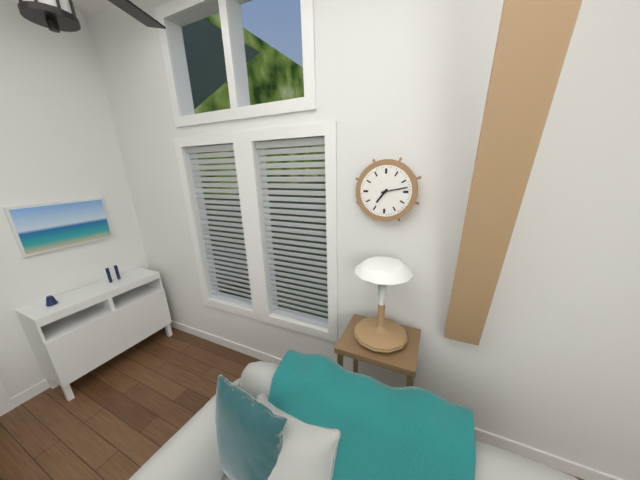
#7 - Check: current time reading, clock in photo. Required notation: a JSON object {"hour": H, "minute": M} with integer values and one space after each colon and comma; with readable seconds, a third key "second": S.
{"hour": 7, "minute": 13}
